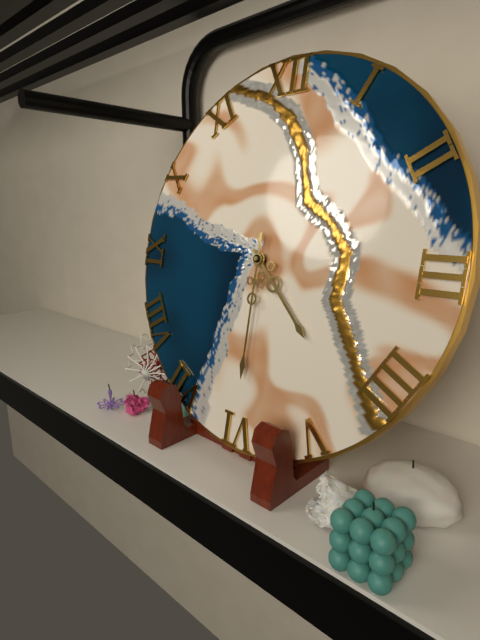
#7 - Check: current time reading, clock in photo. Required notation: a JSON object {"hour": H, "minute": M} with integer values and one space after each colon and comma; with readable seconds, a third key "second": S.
{"hour": 4, "minute": 30}
